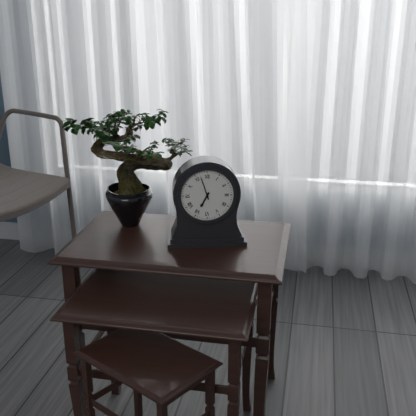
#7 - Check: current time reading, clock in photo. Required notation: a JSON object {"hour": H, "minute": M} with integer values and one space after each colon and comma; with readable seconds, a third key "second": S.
{"hour": 6, "minute": 57}
